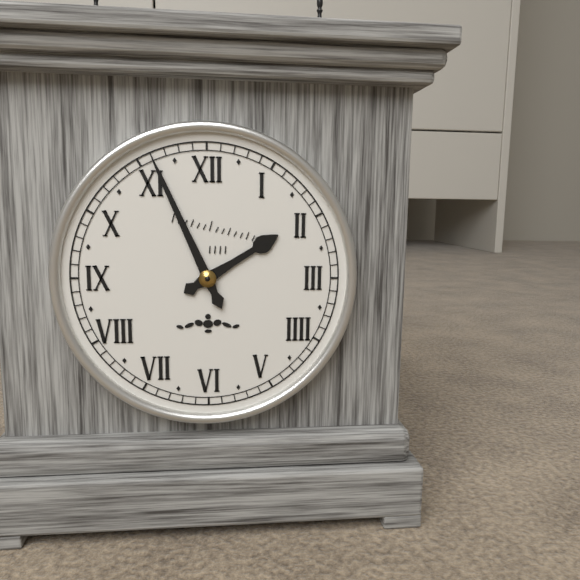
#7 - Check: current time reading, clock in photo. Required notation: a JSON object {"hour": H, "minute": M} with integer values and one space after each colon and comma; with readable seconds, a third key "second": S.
{"hour": 1, "minute": 56}
